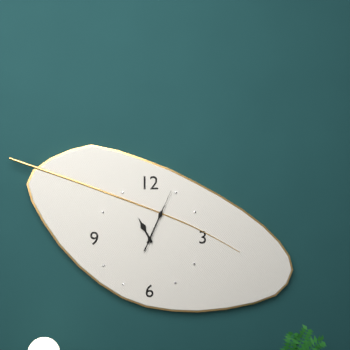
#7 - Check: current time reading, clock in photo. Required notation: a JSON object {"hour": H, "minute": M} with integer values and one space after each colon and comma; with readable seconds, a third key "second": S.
{"hour": 11, "minute": 4, "second": 4}
